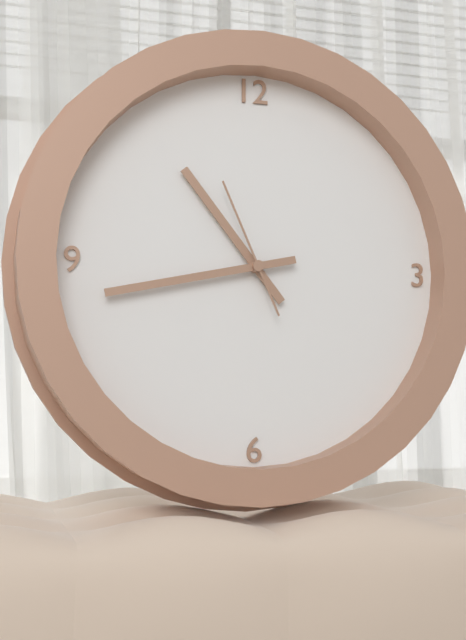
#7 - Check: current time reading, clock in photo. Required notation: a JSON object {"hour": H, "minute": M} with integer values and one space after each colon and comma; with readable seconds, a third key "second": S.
{"hour": 10, "minute": 43, "second": 56}
